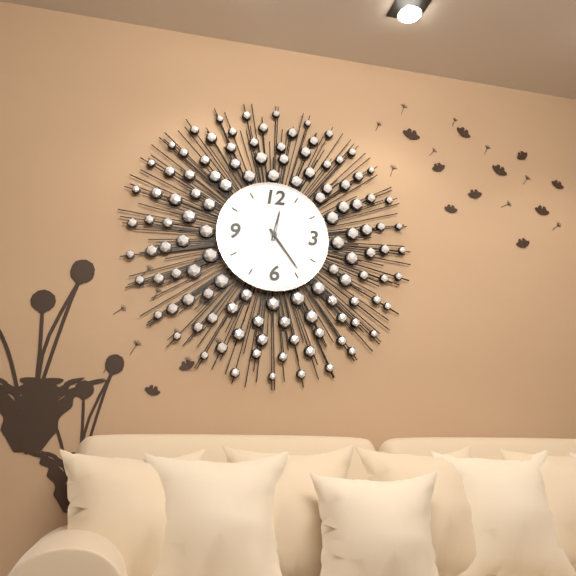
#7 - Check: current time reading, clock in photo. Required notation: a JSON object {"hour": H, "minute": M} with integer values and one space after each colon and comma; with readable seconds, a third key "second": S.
{"hour": 12, "minute": 24, "second": 32}
